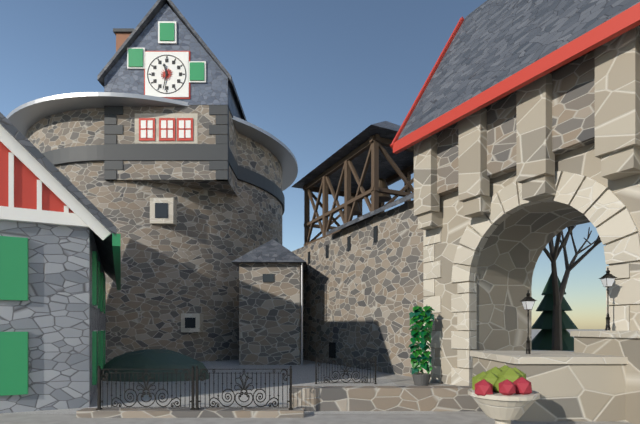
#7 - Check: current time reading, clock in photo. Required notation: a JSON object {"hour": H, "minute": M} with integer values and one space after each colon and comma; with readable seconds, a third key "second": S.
{"hour": 11, "minute": 32}
